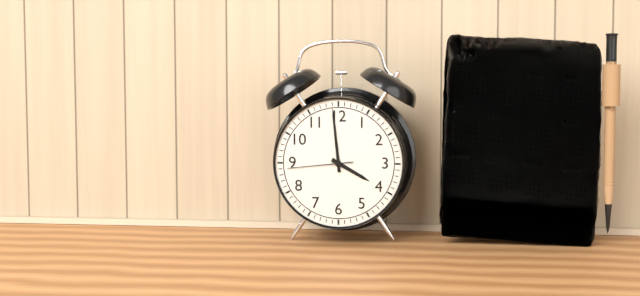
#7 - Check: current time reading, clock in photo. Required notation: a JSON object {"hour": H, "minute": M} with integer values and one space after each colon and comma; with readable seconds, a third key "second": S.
{"hour": 3, "minute": 59, "second": 44}
